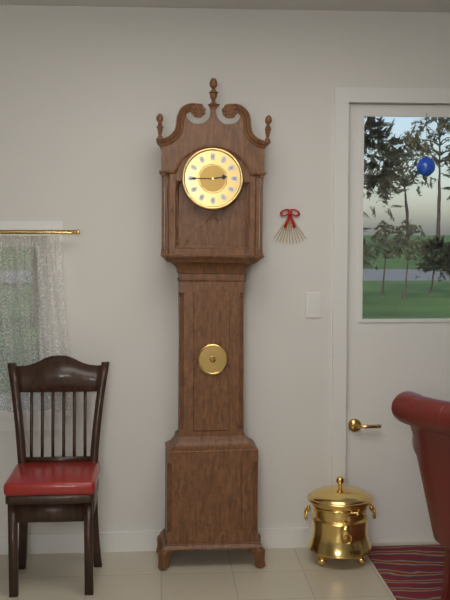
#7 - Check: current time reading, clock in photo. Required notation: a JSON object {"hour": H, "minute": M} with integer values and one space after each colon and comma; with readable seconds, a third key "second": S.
{"hour": 2, "minute": 45}
